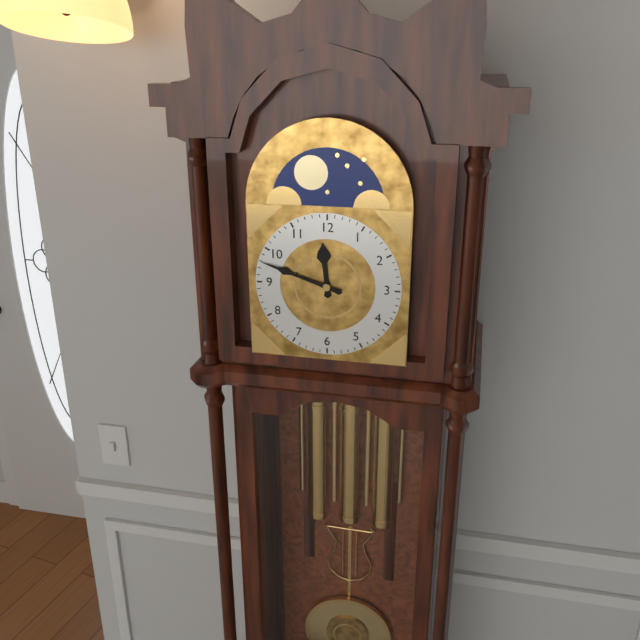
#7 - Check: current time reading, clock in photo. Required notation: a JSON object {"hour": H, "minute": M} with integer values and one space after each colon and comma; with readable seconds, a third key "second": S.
{"hour": 11, "minute": 48}
